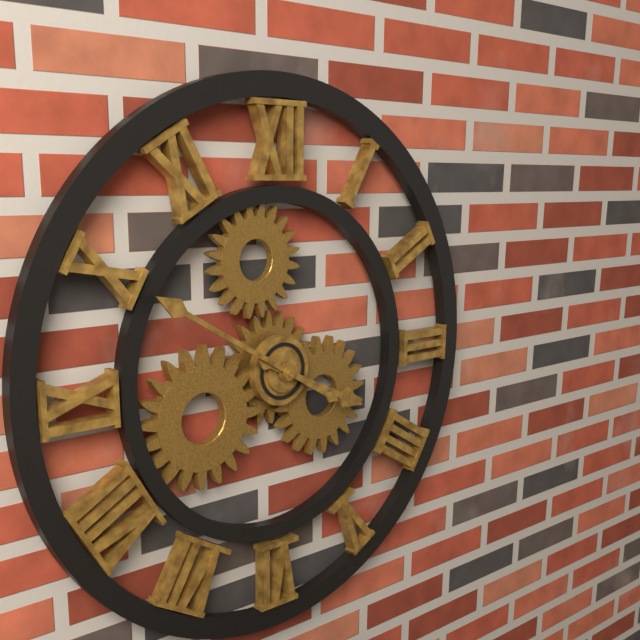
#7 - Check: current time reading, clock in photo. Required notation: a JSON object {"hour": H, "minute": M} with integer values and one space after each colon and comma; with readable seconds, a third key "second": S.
{"hour": 3, "minute": 50}
